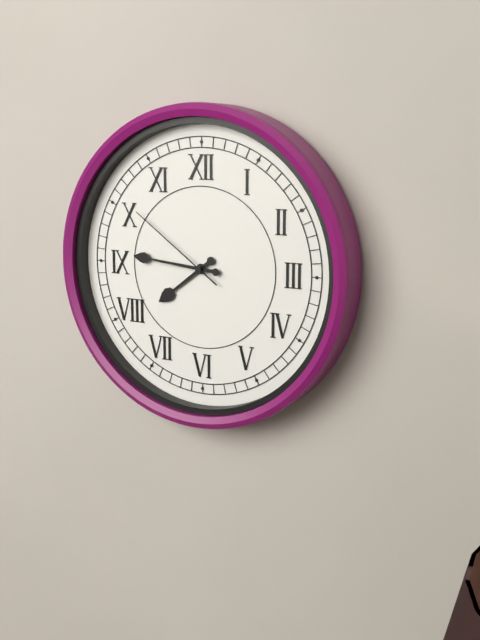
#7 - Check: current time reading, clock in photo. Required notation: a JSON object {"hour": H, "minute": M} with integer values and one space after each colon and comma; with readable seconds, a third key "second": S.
{"hour": 7, "minute": 46, "second": 51}
